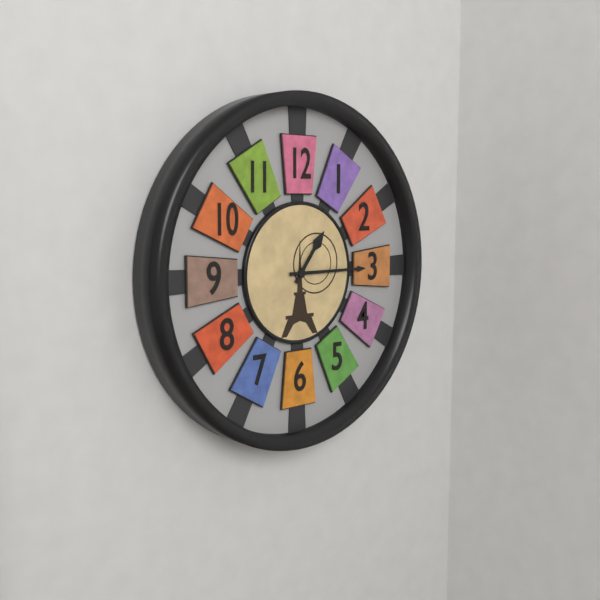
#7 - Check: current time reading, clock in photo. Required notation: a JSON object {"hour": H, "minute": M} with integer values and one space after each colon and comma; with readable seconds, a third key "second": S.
{"hour": 1, "minute": 15}
